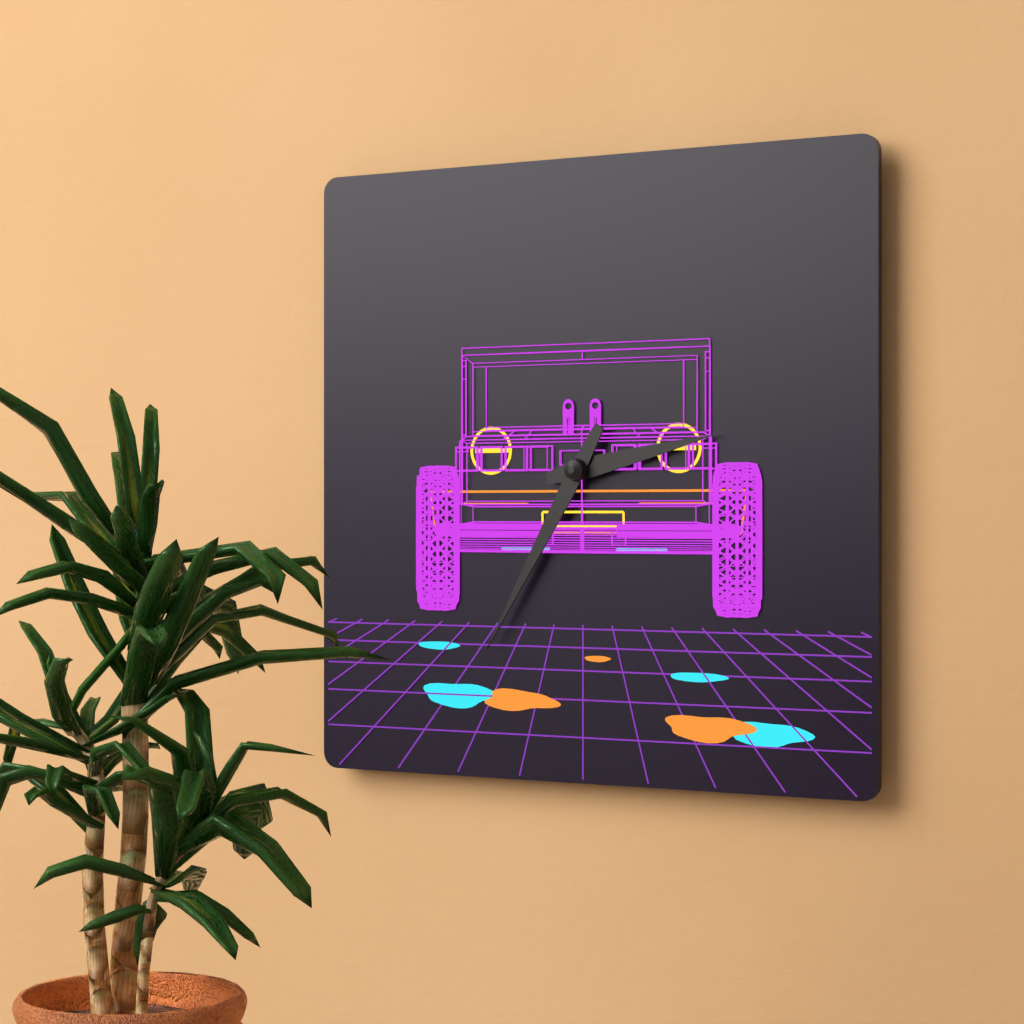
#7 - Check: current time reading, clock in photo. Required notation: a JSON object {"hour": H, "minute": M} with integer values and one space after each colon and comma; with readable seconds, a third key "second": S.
{"hour": 2, "minute": 35}
